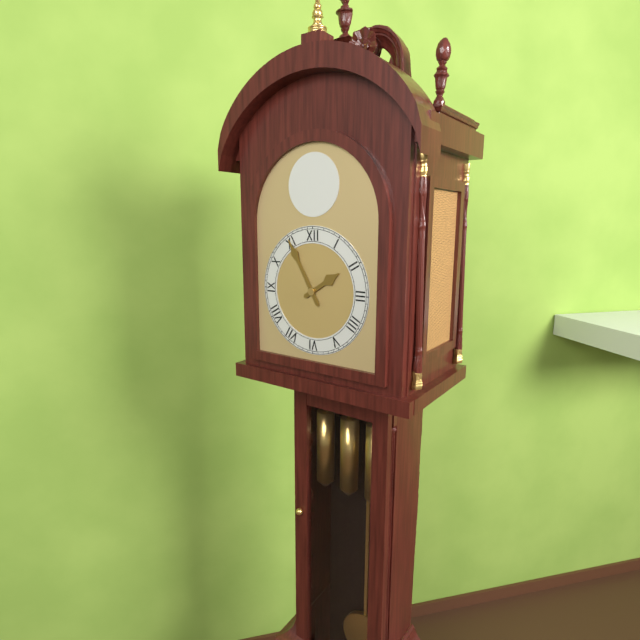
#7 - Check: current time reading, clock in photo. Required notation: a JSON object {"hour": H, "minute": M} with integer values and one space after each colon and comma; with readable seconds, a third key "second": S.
{"hour": 1, "minute": 55}
